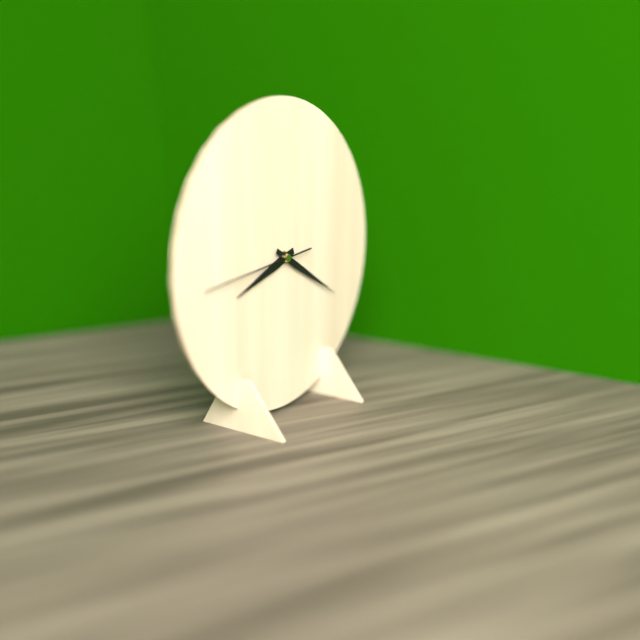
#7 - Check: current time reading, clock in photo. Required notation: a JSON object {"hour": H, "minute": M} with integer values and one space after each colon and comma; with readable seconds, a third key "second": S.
{"hour": 8, "minute": 20, "second": 44}
